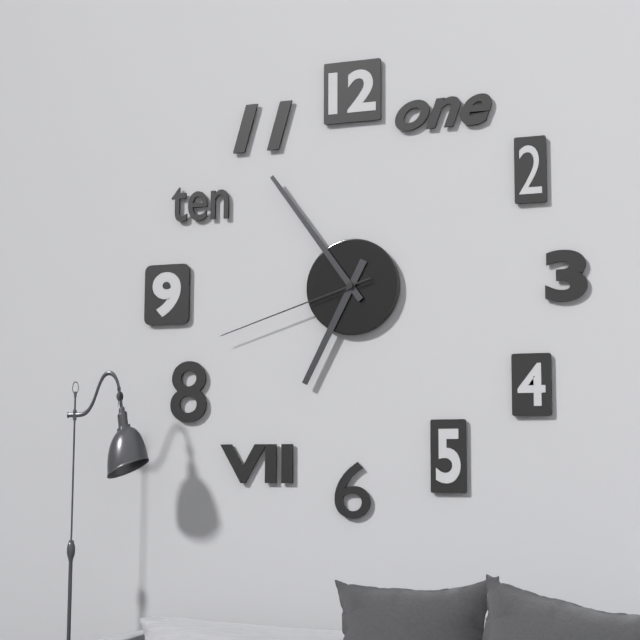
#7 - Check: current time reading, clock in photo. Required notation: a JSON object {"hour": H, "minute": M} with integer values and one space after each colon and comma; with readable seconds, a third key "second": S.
{"hour": 6, "minute": 54, "second": 42}
